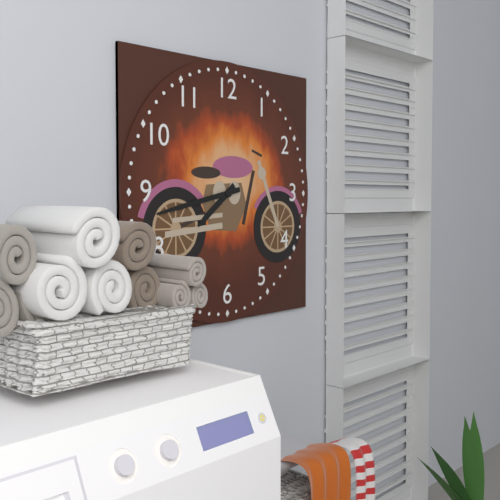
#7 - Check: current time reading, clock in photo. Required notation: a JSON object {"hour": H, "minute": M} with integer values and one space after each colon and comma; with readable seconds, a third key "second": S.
{"hour": 7, "minute": 43}
